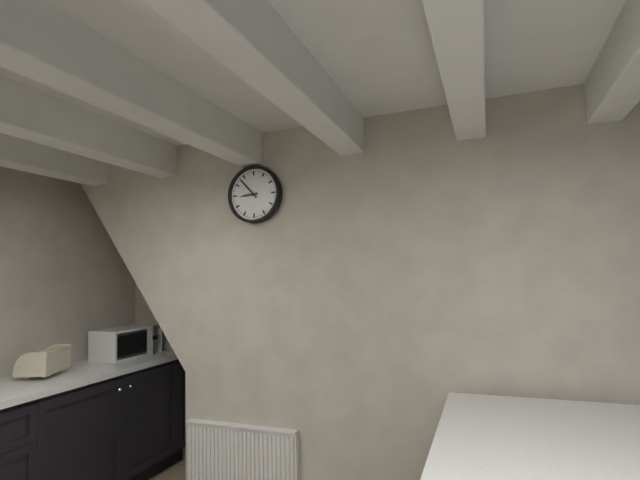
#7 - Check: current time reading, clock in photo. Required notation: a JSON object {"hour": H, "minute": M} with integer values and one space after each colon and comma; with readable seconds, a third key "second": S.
{"hour": 8, "minute": 53}
